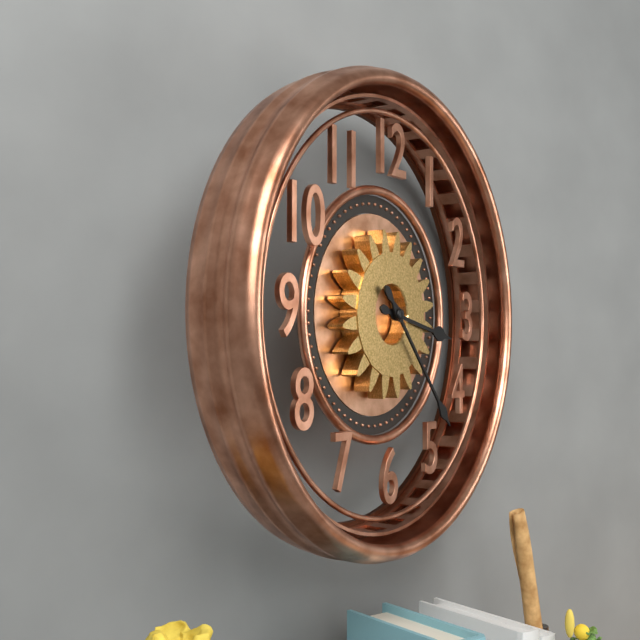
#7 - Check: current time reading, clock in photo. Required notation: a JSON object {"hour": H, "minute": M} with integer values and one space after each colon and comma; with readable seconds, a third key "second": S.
{"hour": 3, "minute": 23}
